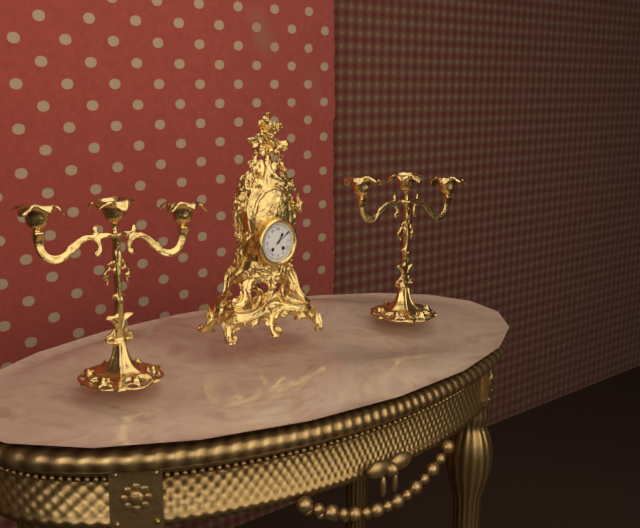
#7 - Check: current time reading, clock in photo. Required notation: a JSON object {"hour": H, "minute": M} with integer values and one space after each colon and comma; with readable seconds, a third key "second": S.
{"hour": 1, "minute": 9}
